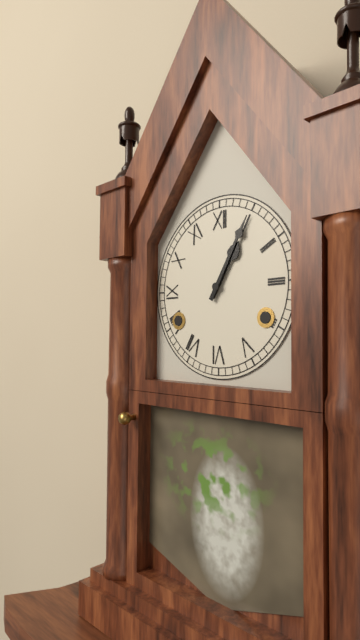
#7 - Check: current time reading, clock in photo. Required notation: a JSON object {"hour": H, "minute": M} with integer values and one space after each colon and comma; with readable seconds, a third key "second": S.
{"hour": 1, "minute": 5}
